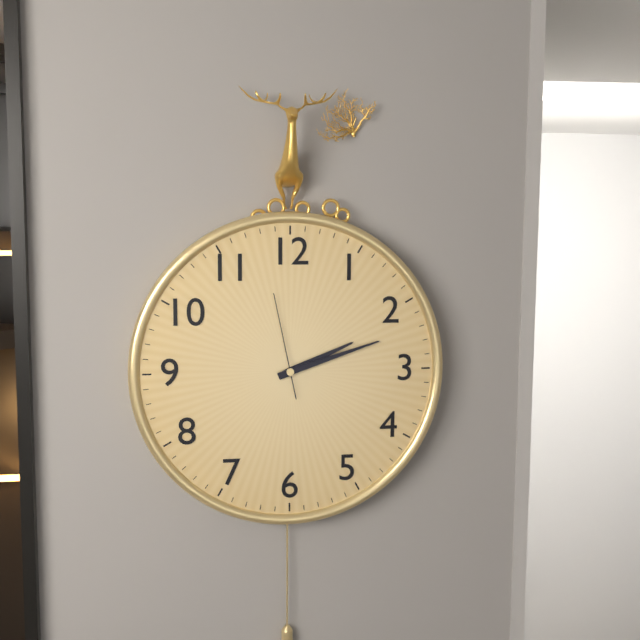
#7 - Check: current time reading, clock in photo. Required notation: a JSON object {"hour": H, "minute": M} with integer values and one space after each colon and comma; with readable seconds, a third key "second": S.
{"hour": 2, "minute": 12, "second": 58}
